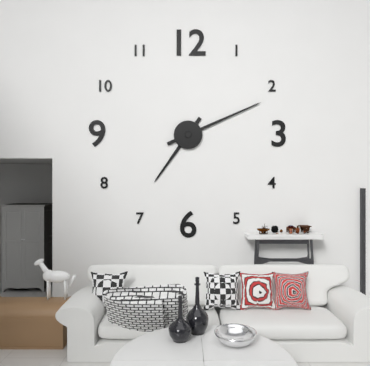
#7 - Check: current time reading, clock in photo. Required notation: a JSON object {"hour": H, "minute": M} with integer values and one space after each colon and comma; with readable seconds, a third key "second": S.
{"hour": 7, "minute": 11}
